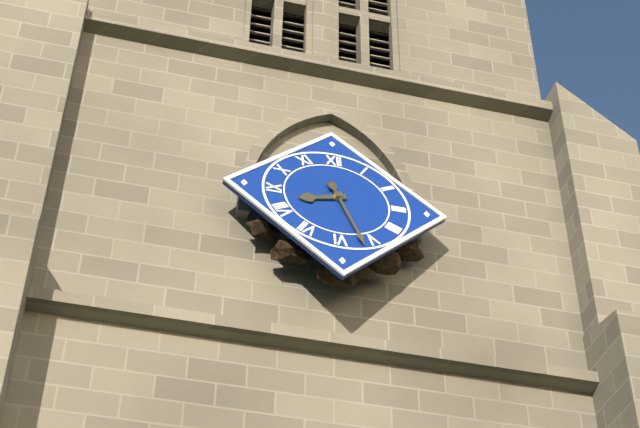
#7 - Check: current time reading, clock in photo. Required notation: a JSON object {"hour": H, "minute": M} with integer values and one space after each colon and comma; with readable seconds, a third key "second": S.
{"hour": 8, "minute": 27}
